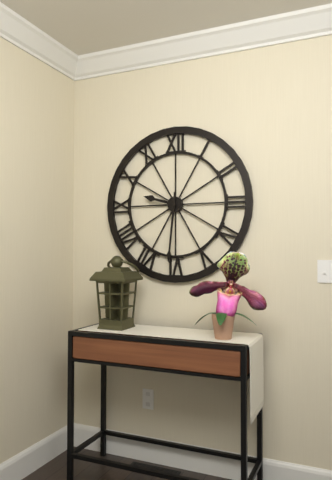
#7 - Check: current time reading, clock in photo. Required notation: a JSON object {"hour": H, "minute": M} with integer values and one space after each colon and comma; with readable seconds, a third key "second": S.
{"hour": 9, "minute": 31}
